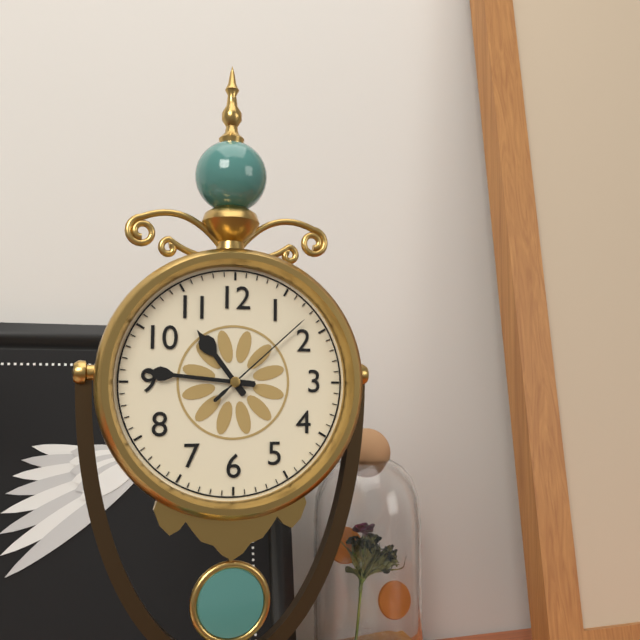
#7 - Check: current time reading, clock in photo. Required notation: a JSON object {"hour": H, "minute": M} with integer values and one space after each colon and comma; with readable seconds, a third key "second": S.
{"hour": 10, "minute": 46, "second": 8}
